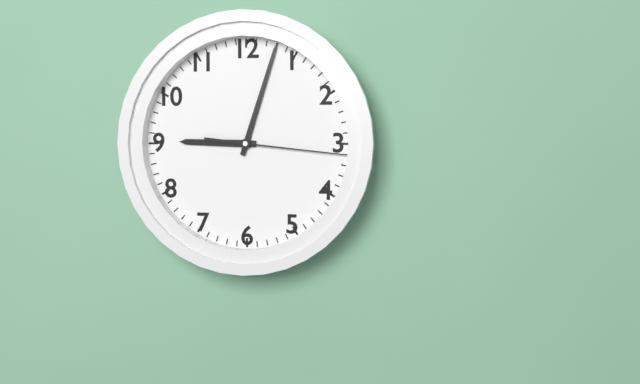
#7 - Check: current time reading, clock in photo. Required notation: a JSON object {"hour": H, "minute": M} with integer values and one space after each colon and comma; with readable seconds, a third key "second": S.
{"hour": 9, "minute": 3, "second": 16}
